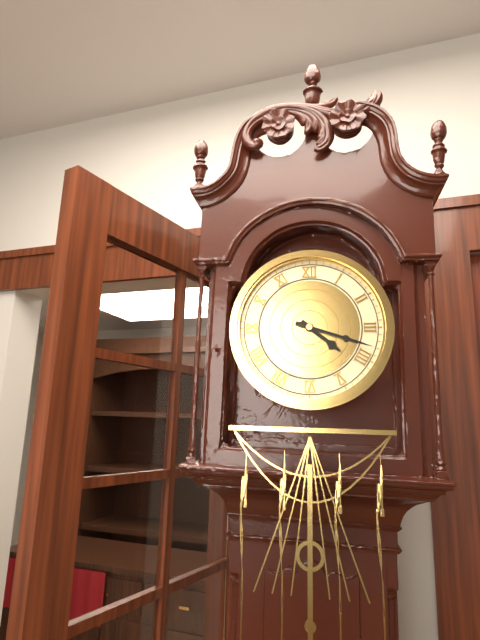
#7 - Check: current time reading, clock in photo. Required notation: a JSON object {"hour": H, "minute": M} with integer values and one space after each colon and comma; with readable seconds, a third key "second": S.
{"hour": 4, "minute": 18}
